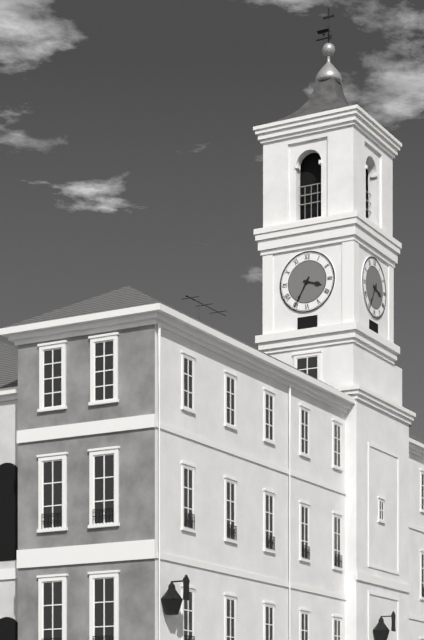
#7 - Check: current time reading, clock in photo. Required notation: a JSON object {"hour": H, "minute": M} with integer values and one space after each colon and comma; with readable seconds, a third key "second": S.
{"hour": 3, "minute": 35}
